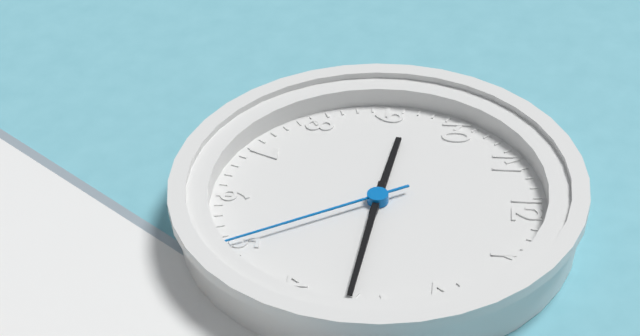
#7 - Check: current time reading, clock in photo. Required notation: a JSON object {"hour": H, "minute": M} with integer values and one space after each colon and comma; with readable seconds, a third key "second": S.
{"hour": 9, "minute": 16, "second": 25}
